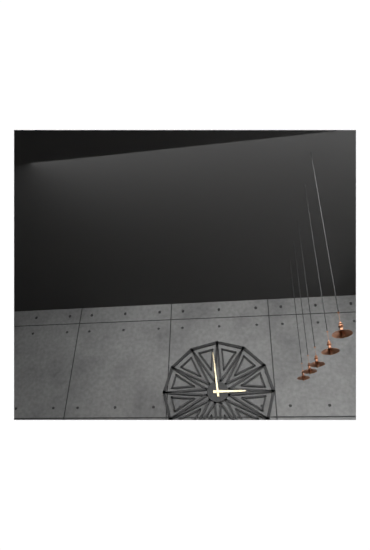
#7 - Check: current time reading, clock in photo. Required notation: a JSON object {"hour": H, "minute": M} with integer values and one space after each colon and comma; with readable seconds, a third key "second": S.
{"hour": 2, "minute": 59}
